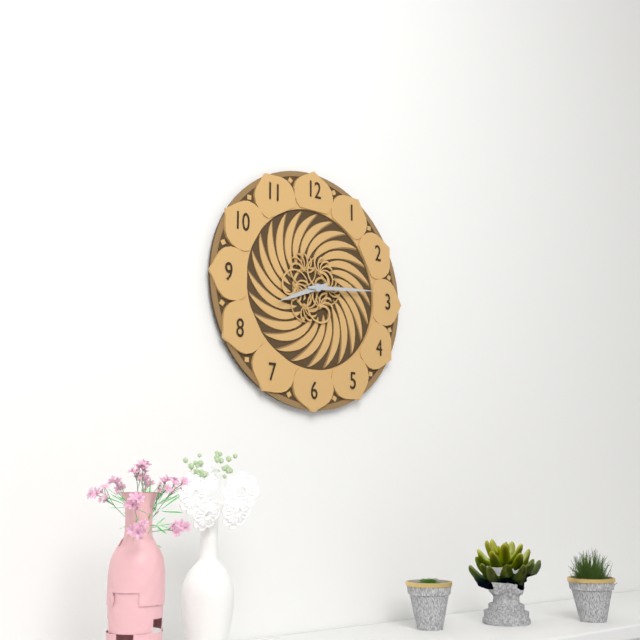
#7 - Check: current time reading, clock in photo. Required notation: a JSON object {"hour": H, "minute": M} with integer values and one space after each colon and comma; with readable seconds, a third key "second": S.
{"hour": 8, "minute": 14}
